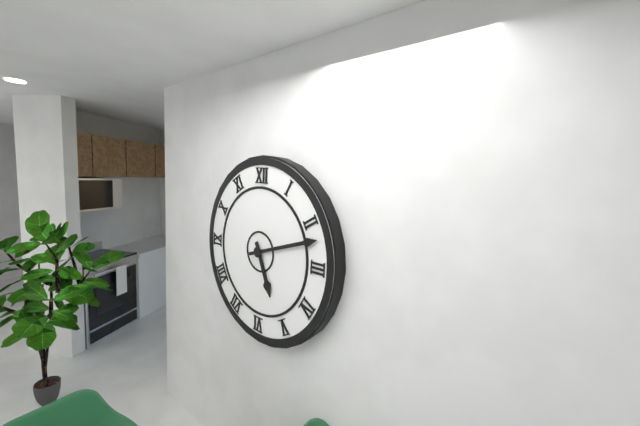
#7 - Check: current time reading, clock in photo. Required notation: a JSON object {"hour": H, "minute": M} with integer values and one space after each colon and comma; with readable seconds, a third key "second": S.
{"hour": 5, "minute": 12}
